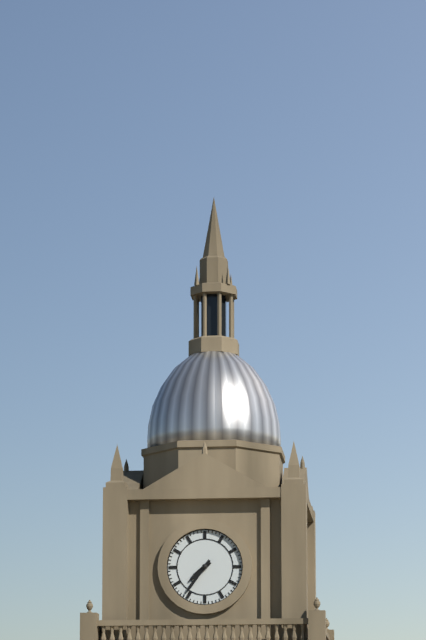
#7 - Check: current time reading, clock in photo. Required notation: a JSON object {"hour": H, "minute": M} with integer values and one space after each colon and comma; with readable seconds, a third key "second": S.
{"hour": 7, "minute": 36}
